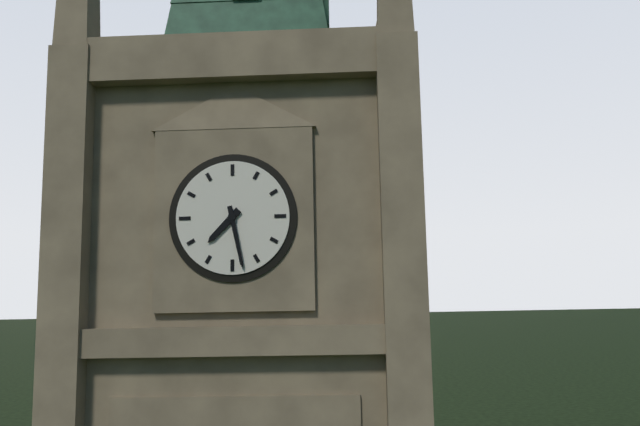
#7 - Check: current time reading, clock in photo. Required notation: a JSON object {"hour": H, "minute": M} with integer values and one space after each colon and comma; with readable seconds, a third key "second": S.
{"hour": 7, "minute": 28}
